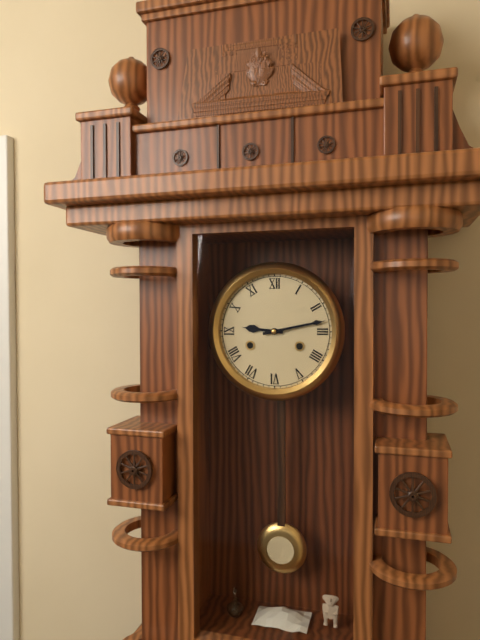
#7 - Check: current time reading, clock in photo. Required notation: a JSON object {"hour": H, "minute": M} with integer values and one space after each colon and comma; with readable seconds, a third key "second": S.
{"hour": 9, "minute": 13}
